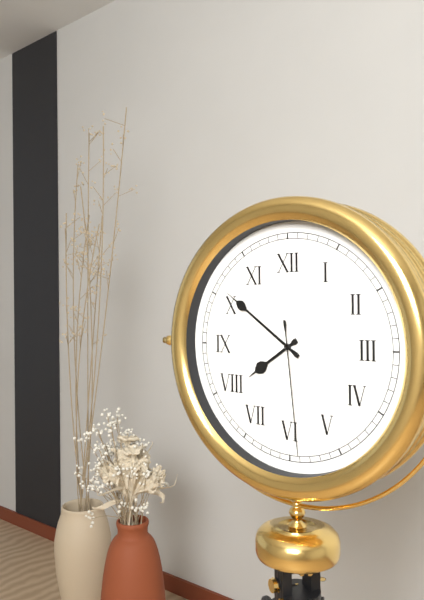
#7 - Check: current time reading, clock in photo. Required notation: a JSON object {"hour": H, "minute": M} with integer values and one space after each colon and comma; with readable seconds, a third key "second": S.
{"hour": 7, "minute": 51, "second": 29}
